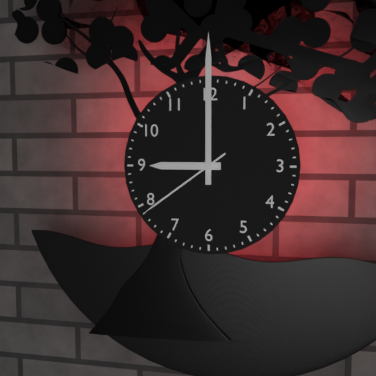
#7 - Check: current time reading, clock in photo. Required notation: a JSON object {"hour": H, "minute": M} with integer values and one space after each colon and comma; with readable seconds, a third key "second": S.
{"hour": 9, "minute": 0, "second": 39}
